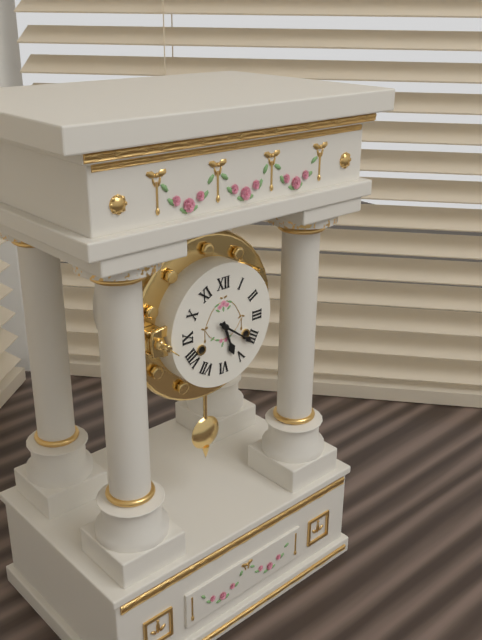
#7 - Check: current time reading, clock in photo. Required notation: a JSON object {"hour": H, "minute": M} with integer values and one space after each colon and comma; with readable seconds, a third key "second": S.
{"hour": 5, "minute": 21}
